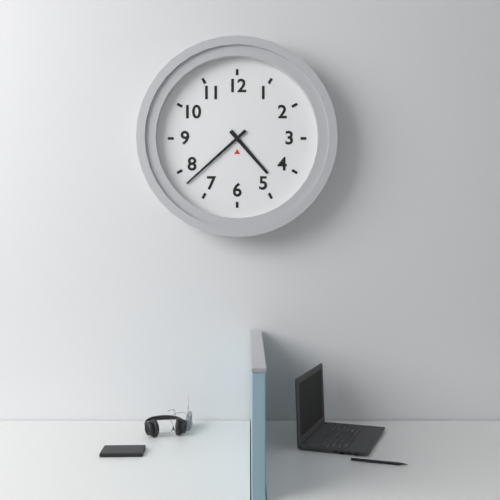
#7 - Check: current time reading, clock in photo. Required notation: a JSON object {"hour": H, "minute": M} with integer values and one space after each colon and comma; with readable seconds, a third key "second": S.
{"hour": 4, "minute": 38}
